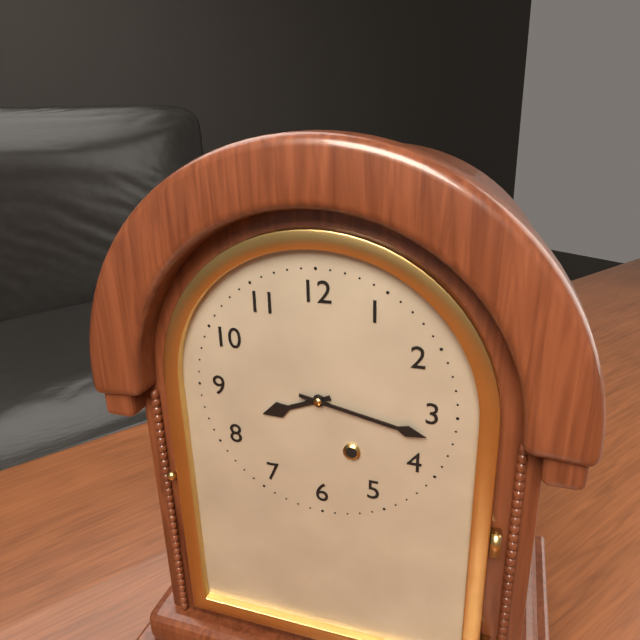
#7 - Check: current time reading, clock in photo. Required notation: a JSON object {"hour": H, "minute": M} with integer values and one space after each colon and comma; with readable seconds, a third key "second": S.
{"hour": 8, "minute": 17}
